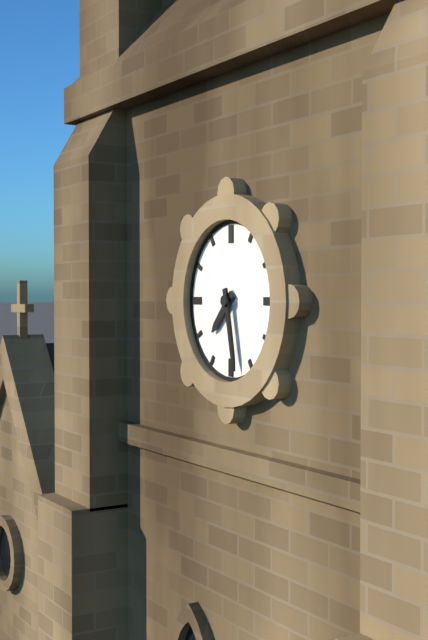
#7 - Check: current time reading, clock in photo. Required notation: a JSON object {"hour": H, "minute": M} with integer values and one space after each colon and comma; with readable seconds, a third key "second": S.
{"hour": 7, "minute": 28}
